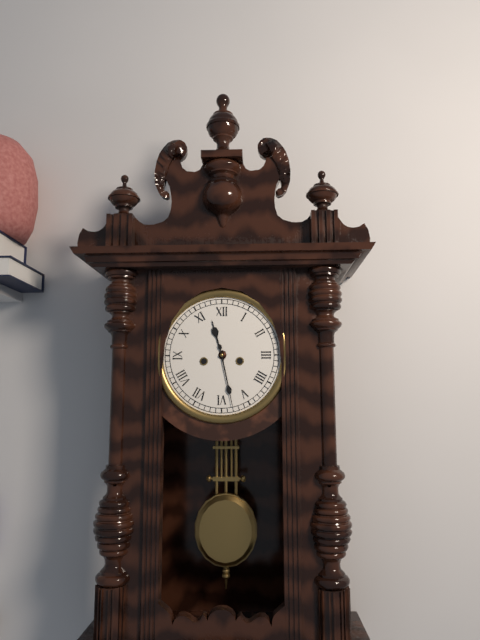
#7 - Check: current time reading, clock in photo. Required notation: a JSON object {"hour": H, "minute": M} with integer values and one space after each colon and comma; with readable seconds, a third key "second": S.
{"hour": 11, "minute": 28}
